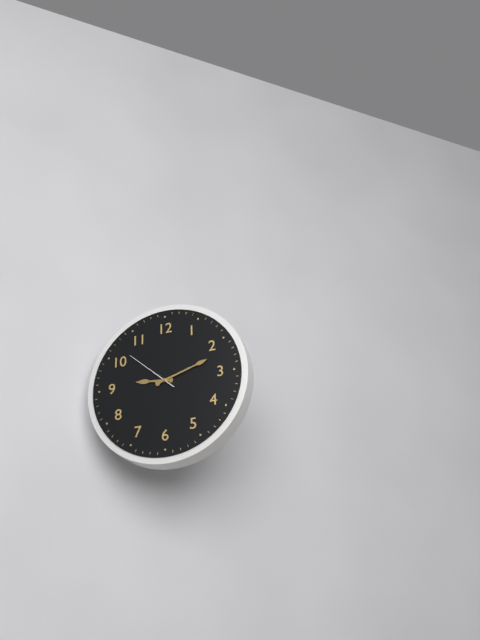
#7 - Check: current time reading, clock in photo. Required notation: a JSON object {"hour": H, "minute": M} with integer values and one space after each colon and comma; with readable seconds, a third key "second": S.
{"hour": 9, "minute": 12, "second": 52}
